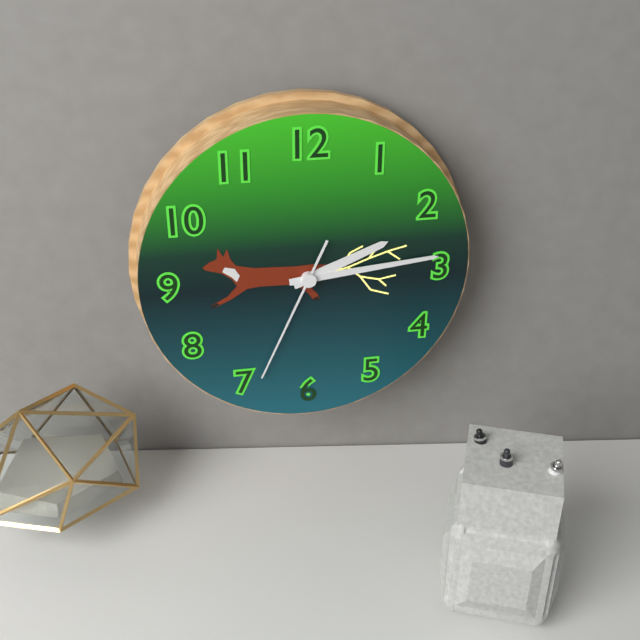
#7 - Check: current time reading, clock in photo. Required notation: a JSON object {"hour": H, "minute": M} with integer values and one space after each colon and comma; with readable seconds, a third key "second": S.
{"hour": 2, "minute": 14, "second": 34}
